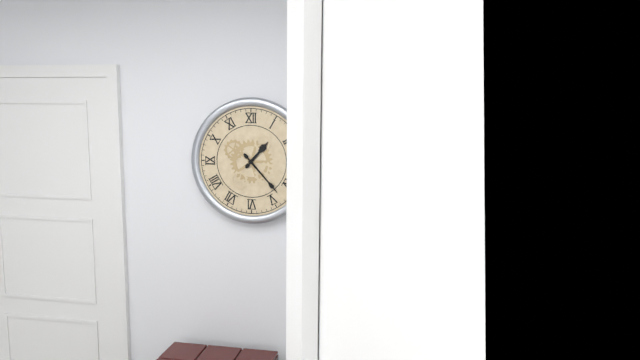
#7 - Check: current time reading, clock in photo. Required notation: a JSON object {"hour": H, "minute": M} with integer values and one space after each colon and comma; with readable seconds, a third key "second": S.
{"hour": 1, "minute": 23}
